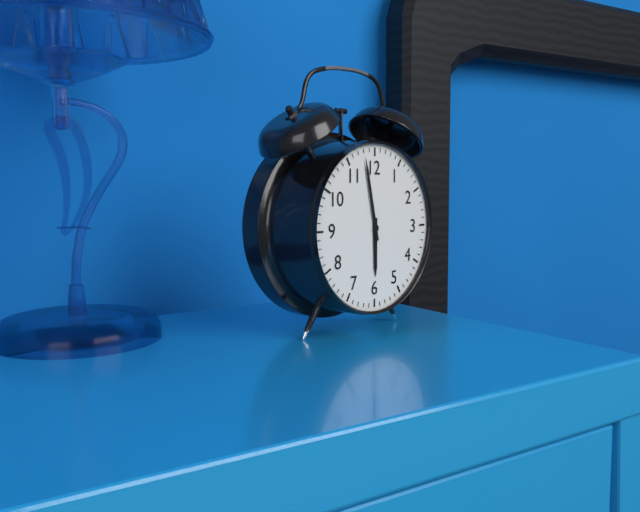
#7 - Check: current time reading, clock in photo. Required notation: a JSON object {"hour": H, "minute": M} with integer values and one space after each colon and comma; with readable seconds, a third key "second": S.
{"hour": 5, "minute": 58}
